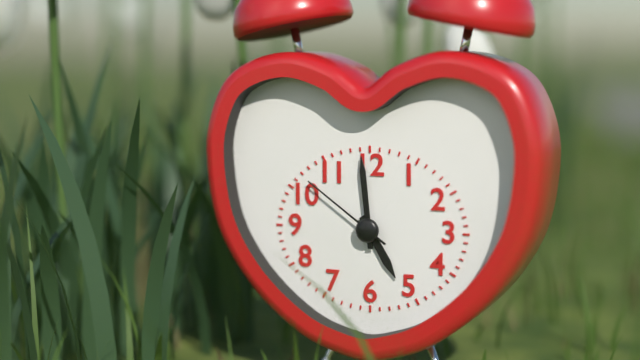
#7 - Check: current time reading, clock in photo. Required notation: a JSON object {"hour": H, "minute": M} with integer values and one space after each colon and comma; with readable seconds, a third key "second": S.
{"hour": 4, "minute": 59, "second": 51}
